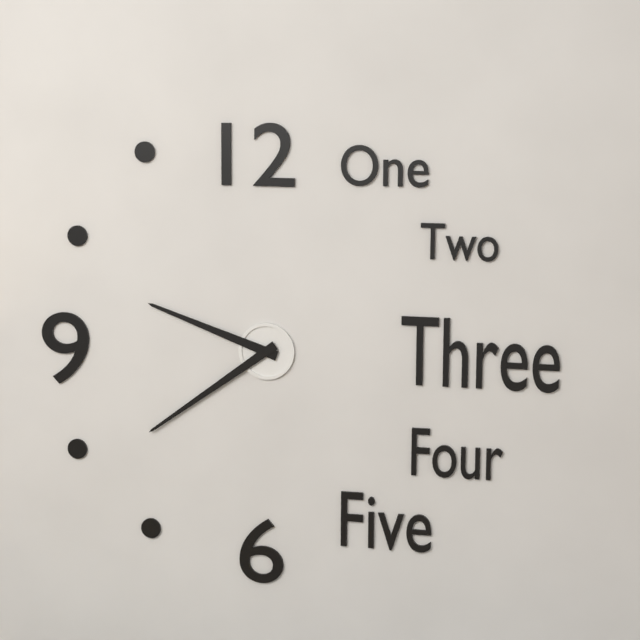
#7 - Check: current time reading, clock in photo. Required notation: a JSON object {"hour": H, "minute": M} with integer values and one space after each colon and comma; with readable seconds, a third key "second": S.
{"hour": 9, "minute": 39}
